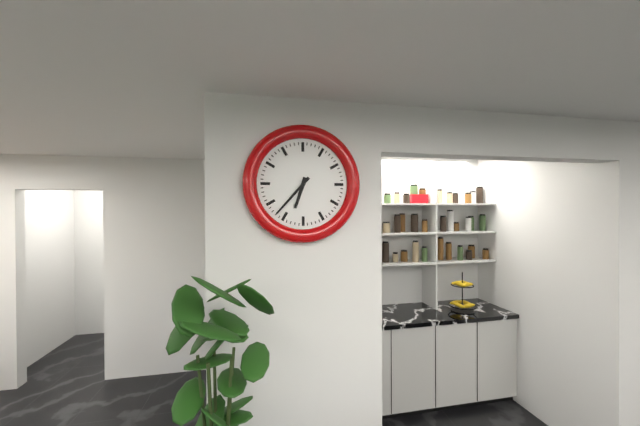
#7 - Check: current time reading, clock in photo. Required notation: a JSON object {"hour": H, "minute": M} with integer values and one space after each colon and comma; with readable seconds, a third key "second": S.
{"hour": 6, "minute": 37}
